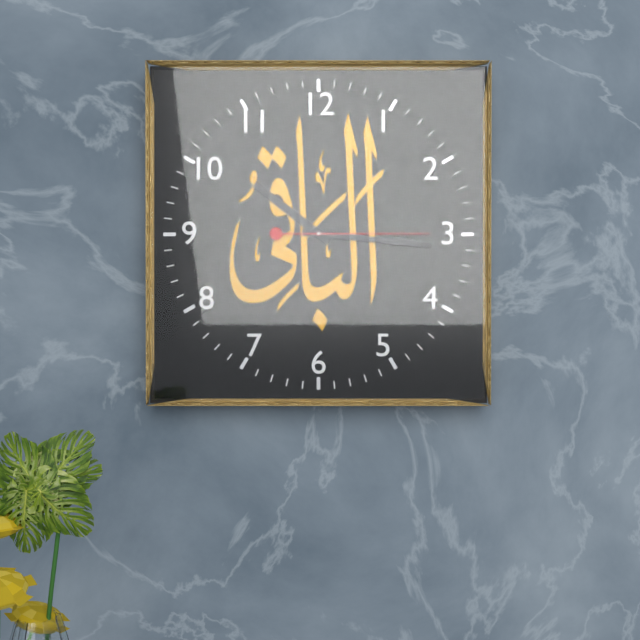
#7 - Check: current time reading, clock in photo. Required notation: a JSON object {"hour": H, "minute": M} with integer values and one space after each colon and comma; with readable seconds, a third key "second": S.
{"hour": 10, "minute": 16, "second": 15}
